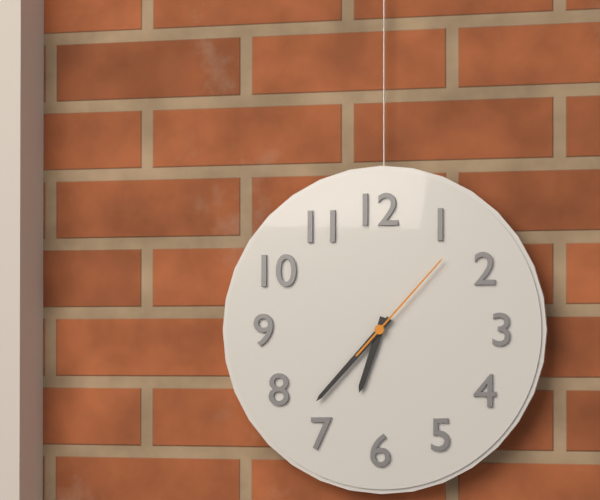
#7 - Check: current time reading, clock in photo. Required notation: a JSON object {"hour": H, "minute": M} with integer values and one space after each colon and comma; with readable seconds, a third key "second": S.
{"hour": 6, "minute": 37, "second": 7}
